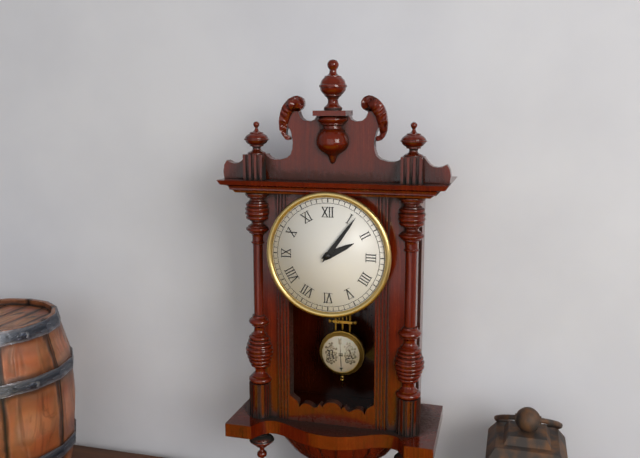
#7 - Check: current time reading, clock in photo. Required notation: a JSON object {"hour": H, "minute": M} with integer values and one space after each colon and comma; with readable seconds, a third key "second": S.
{"hour": 2, "minute": 6}
